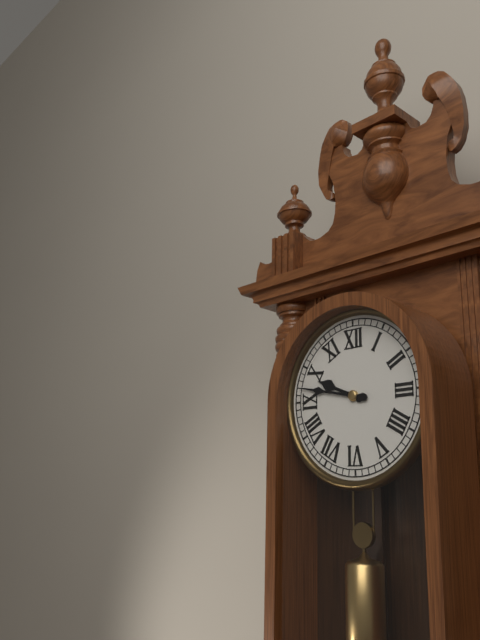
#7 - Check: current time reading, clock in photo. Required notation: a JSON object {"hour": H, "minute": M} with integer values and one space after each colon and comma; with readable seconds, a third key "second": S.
{"hour": 9, "minute": 47}
